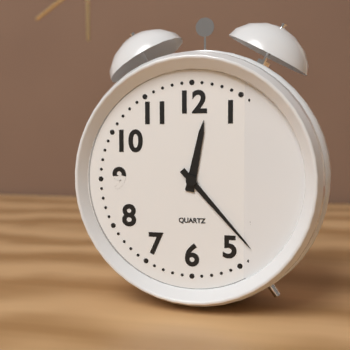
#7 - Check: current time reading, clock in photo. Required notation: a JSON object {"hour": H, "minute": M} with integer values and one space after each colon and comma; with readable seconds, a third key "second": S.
{"hour": 12, "minute": 23}
